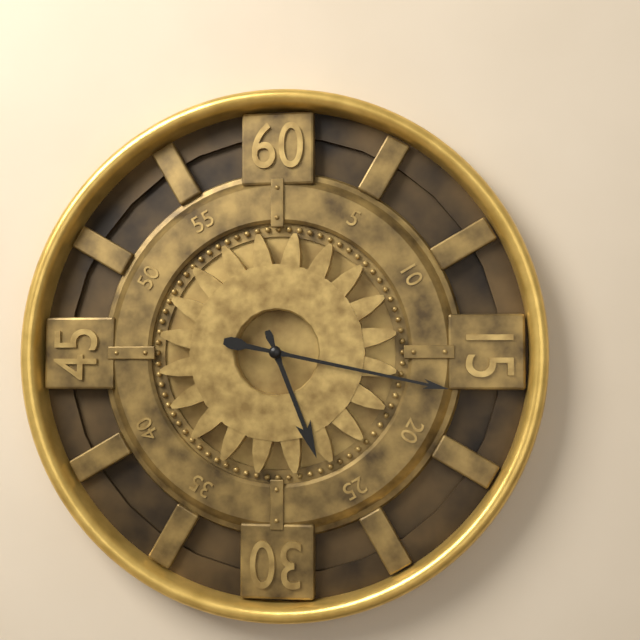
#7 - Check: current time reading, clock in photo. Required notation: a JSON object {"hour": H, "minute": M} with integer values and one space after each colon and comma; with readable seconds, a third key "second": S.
{"hour": 5, "minute": 17}
